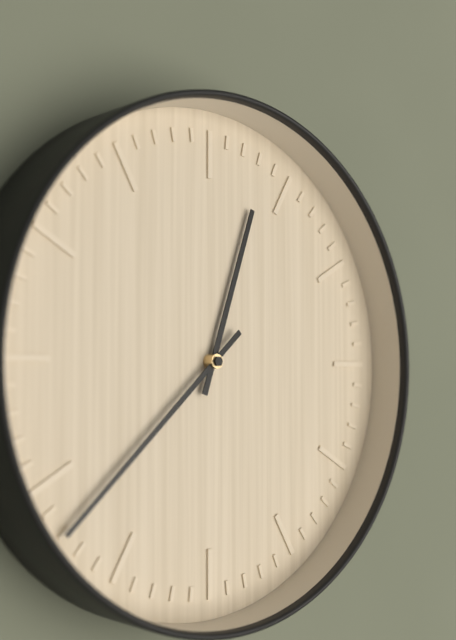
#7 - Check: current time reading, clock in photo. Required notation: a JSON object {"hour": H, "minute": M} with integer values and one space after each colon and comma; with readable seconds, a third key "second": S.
{"hour": 12, "minute": 38}
